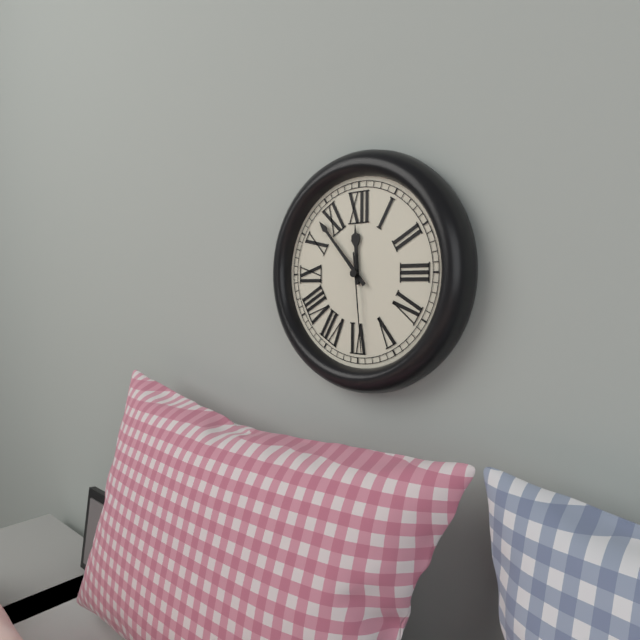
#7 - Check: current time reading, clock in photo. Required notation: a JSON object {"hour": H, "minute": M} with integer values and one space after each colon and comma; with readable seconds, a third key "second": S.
{"hour": 11, "minute": 53, "second": 29}
